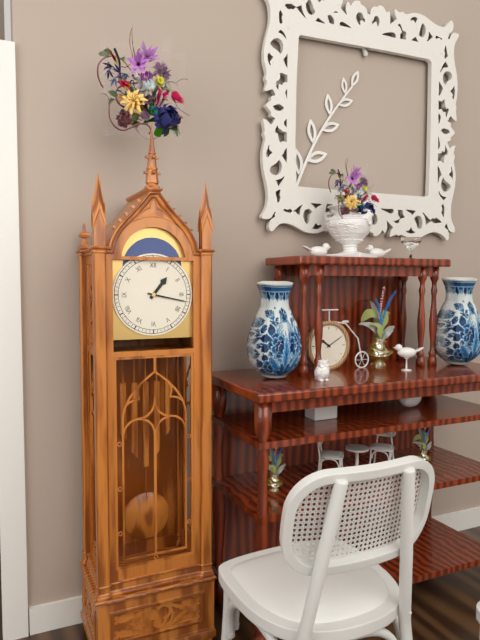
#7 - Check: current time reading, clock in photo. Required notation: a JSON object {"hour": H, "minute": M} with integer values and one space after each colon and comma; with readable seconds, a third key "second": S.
{"hour": 1, "minute": 17}
